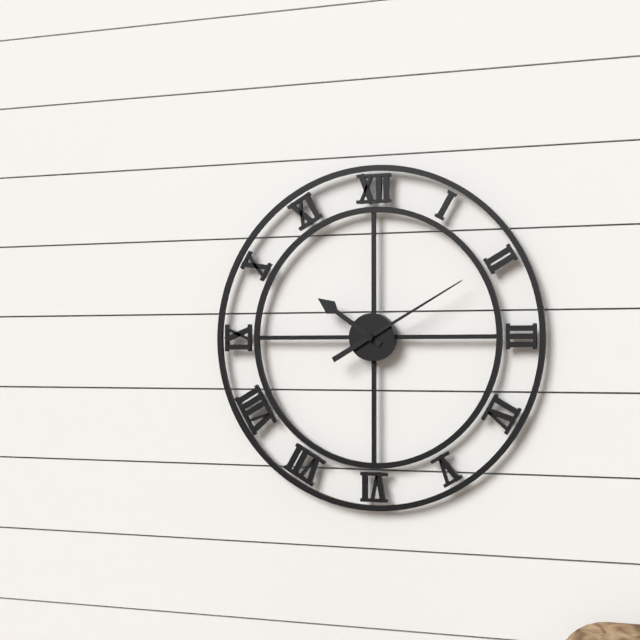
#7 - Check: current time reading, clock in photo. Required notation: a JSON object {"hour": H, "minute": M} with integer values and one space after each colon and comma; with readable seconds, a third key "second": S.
{"hour": 10, "minute": 10}
